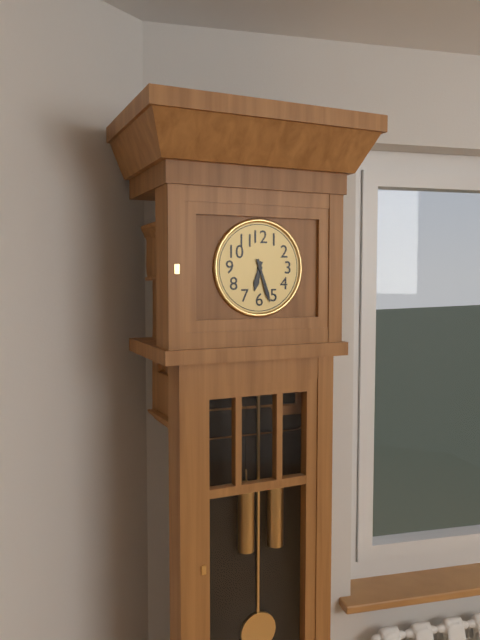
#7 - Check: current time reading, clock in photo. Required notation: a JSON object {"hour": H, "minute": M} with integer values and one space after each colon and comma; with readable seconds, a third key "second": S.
{"hour": 6, "minute": 27}
